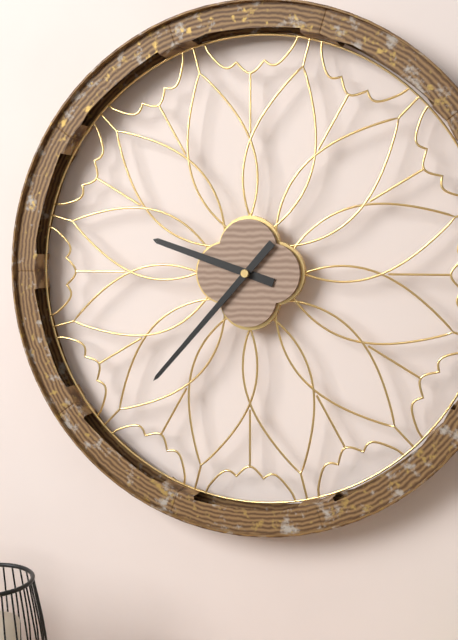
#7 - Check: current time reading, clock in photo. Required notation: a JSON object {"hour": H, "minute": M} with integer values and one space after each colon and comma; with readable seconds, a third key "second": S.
{"hour": 9, "minute": 37}
